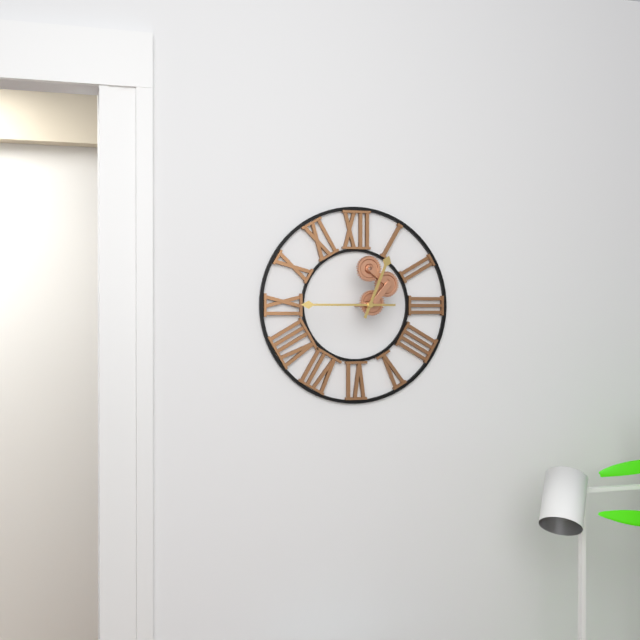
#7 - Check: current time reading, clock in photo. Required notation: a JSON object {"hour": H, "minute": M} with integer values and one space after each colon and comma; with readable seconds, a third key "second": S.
{"hour": 12, "minute": 45}
